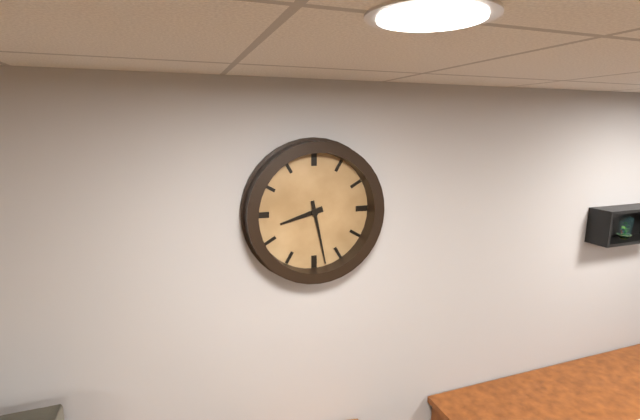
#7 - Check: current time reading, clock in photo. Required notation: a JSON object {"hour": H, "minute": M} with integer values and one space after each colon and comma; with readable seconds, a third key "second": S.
{"hour": 8, "minute": 28}
